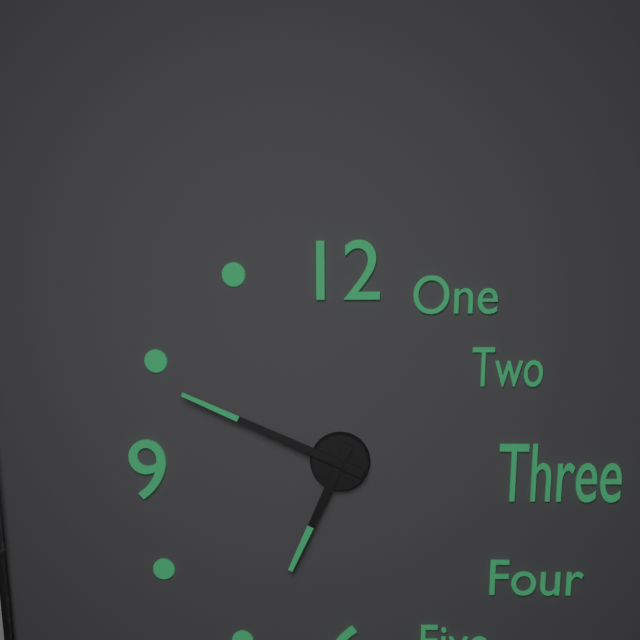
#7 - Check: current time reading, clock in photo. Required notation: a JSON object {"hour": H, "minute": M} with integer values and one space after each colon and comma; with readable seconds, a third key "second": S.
{"hour": 6, "minute": 49}
